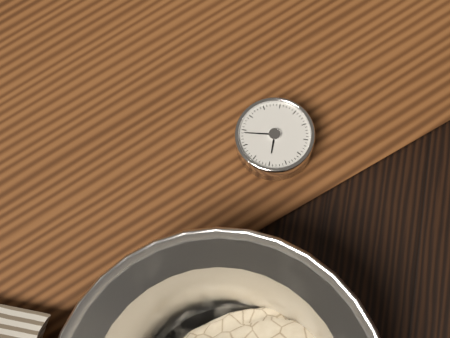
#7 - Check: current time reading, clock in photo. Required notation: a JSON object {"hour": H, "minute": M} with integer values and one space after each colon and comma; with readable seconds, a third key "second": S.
{"hour": 8, "minute": 59}
